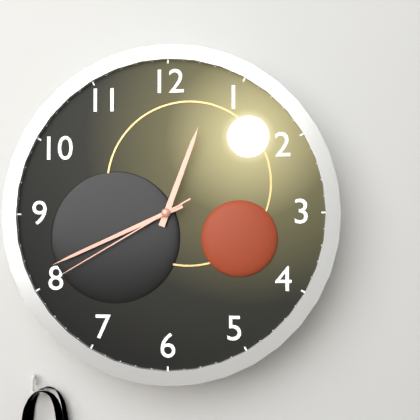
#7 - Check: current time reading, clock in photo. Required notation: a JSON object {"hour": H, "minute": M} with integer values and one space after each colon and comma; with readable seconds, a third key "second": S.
{"hour": 12, "minute": 41, "second": 40}
